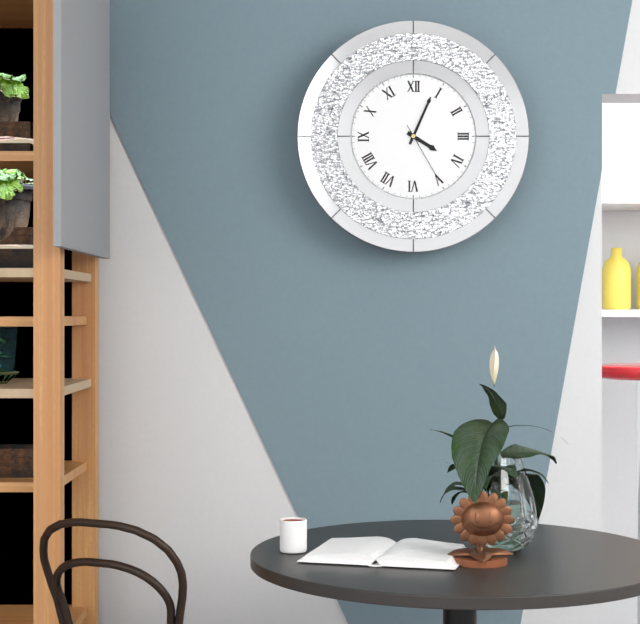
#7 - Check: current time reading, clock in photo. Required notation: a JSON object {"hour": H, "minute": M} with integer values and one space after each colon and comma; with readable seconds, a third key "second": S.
{"hour": 4, "minute": 4, "second": 25}
